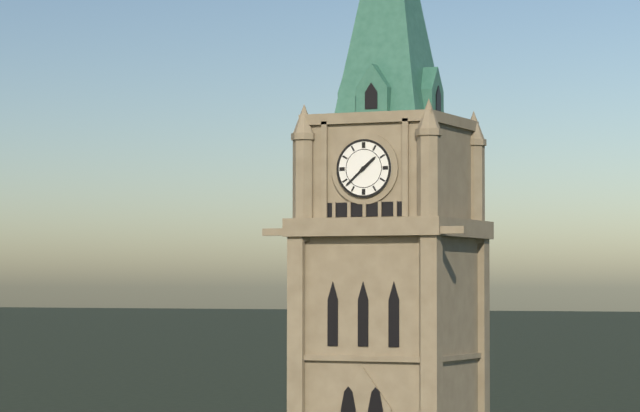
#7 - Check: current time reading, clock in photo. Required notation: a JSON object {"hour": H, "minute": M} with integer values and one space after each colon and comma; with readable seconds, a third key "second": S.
{"hour": 1, "minute": 38}
